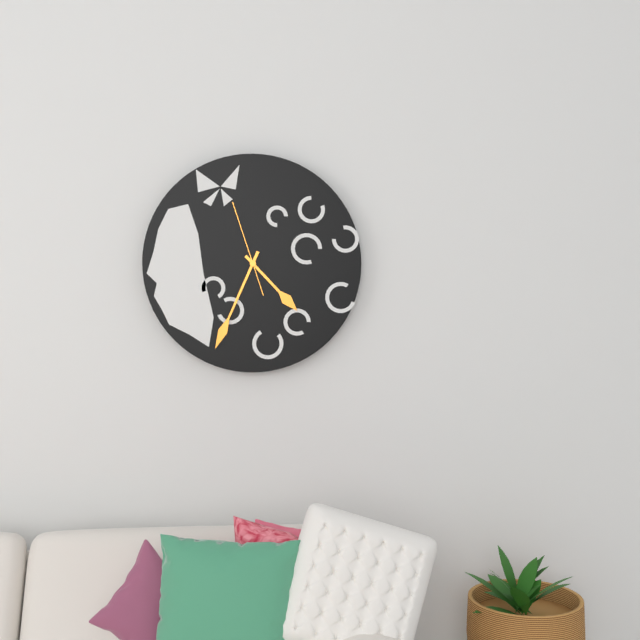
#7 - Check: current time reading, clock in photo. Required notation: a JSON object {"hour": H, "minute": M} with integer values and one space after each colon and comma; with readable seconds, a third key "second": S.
{"hour": 4, "minute": 34, "second": 57}
